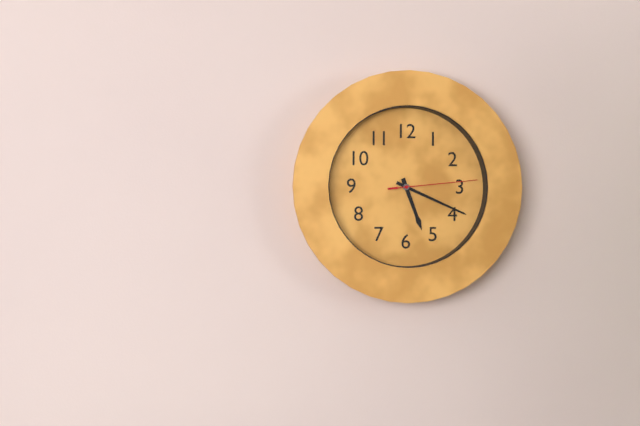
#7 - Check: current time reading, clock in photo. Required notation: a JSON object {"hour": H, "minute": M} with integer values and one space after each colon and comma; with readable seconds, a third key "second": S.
{"hour": 5, "minute": 19, "second": 14}
